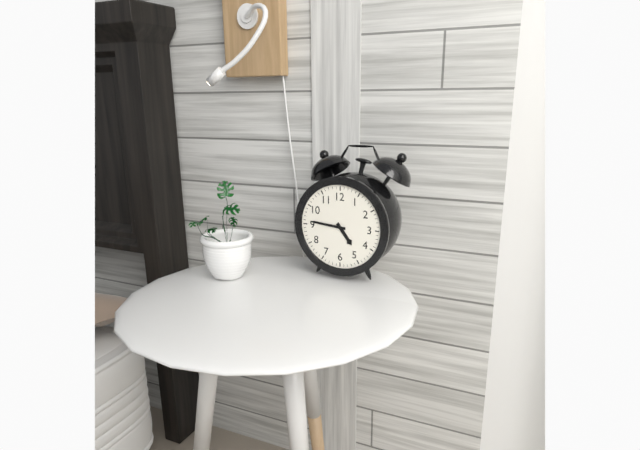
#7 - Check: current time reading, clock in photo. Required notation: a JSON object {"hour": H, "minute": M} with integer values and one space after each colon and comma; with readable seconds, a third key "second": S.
{"hour": 4, "minute": 46}
